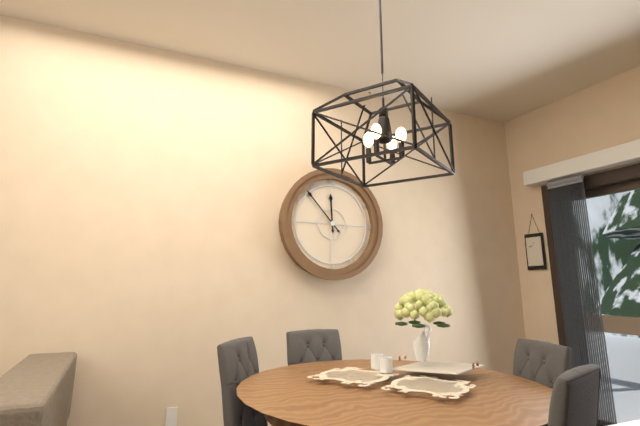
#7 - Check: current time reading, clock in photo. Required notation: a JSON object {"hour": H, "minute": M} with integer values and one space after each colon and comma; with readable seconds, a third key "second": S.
{"hour": 11, "minute": 53}
